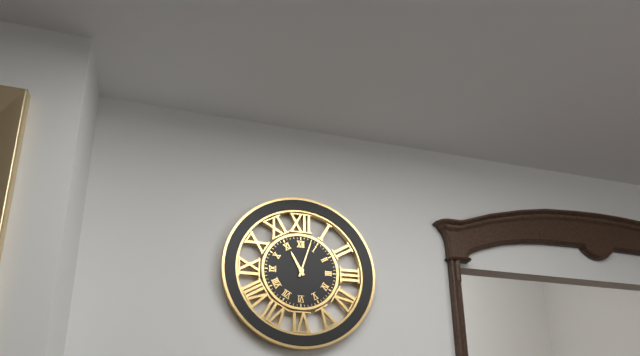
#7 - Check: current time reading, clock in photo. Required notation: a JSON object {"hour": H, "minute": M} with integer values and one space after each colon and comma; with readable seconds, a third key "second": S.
{"hour": 11, "minute": 3}
